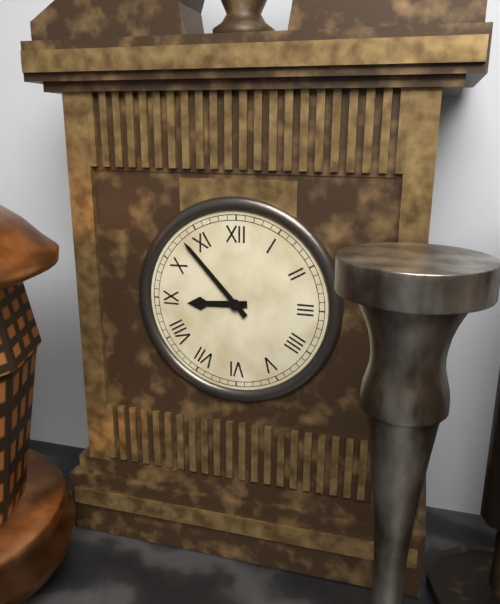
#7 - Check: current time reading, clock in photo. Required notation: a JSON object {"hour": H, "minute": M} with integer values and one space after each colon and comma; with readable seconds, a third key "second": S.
{"hour": 8, "minute": 53}
